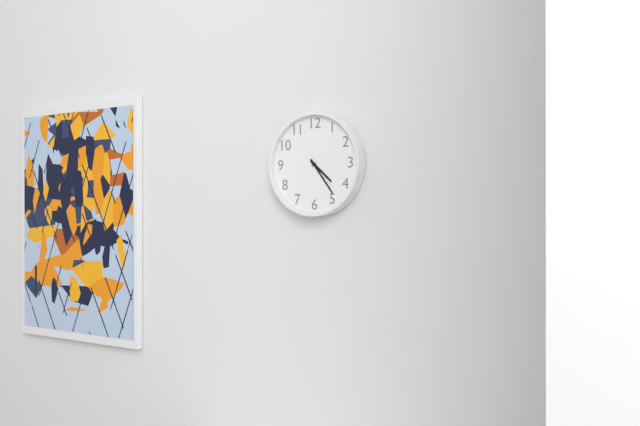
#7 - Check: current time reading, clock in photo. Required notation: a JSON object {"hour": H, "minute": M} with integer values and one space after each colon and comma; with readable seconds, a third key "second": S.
{"hour": 4, "minute": 24}
